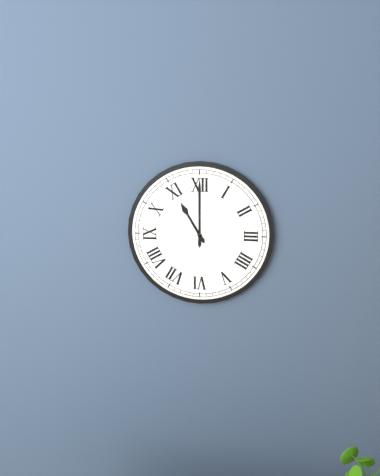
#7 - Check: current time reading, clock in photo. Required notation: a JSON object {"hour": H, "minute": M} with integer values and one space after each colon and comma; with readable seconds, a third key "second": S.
{"hour": 11, "minute": 0}
